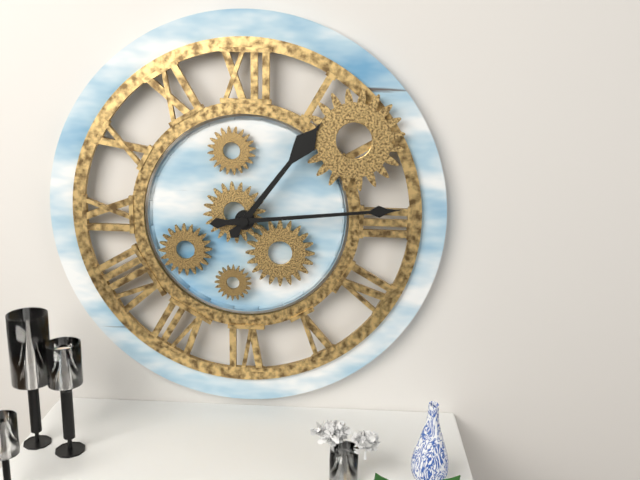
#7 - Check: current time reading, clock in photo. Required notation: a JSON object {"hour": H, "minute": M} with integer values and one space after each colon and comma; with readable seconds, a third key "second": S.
{"hour": 1, "minute": 14}
